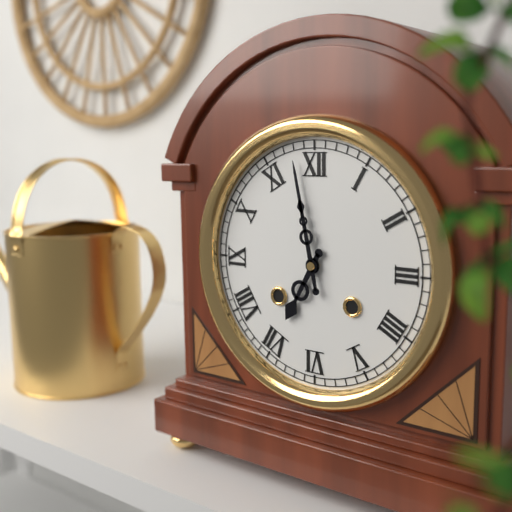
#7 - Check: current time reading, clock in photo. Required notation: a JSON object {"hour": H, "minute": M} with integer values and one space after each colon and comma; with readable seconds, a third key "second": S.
{"hour": 6, "minute": 58}
